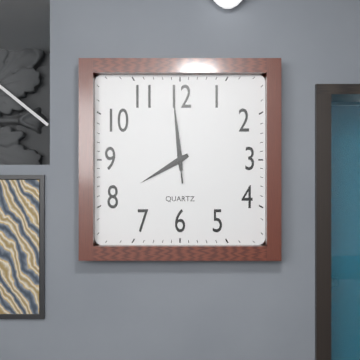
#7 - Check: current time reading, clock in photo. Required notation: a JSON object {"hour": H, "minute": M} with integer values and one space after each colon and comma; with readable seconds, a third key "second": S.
{"hour": 7, "minute": 59, "second": 59}
